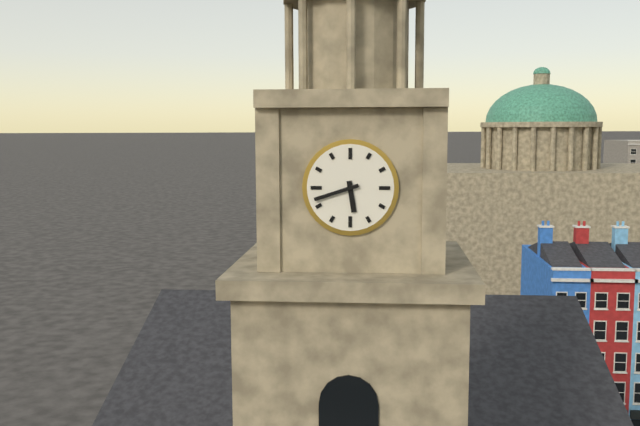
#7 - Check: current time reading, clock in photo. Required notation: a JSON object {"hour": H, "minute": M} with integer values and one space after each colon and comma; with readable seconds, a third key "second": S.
{"hour": 5, "minute": 42}
